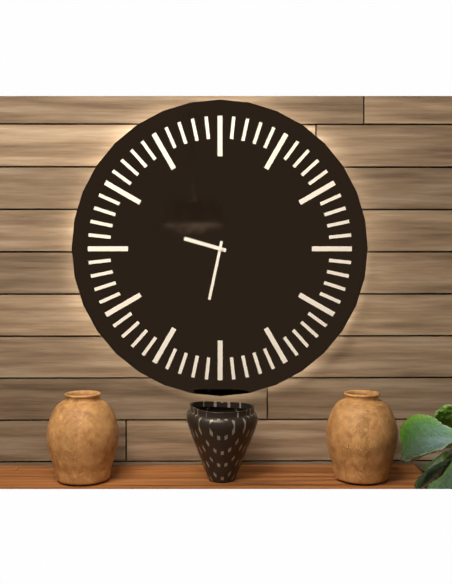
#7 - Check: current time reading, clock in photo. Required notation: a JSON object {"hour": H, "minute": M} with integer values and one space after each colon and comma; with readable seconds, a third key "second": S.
{"hour": 9, "minute": 32}
